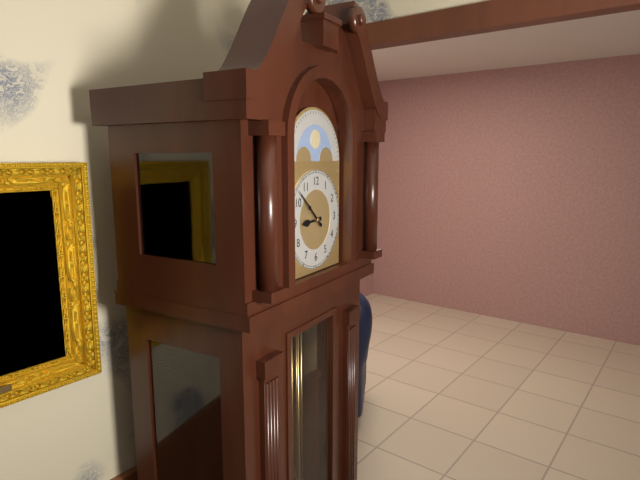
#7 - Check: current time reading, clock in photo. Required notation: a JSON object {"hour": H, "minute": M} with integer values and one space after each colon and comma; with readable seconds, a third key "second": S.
{"hour": 8, "minute": 52}
